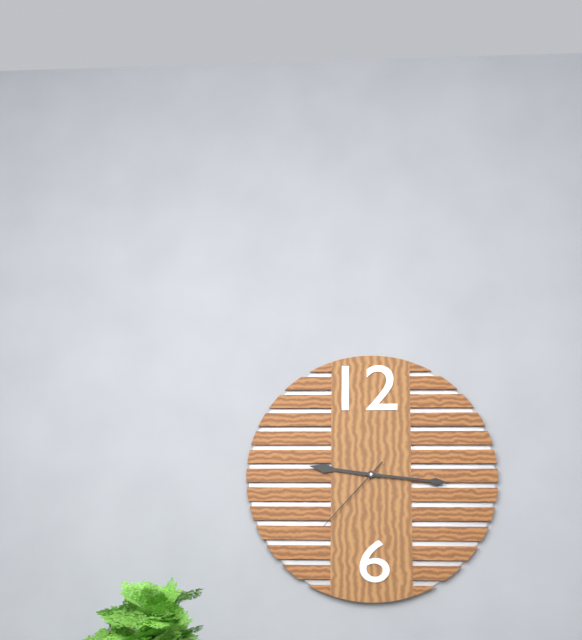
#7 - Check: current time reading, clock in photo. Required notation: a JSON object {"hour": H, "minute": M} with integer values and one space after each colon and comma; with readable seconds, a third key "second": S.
{"hour": 9, "minute": 16, "second": 37}
